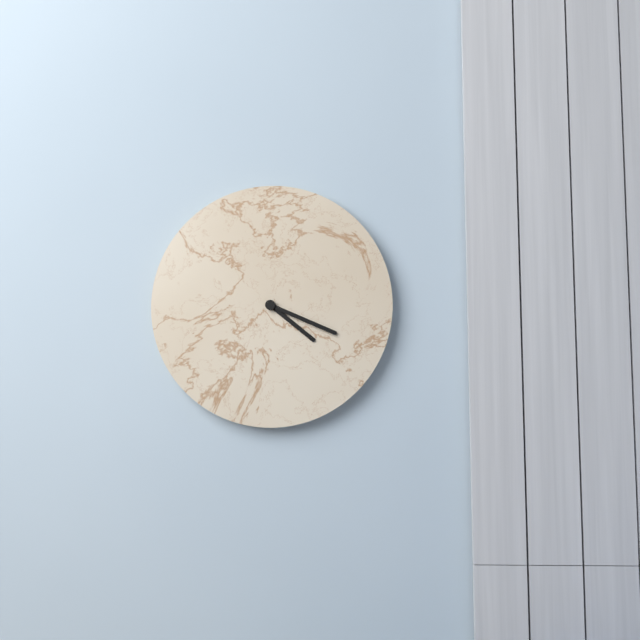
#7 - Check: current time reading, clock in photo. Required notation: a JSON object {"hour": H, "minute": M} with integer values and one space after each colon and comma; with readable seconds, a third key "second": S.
{"hour": 4, "minute": 19}
